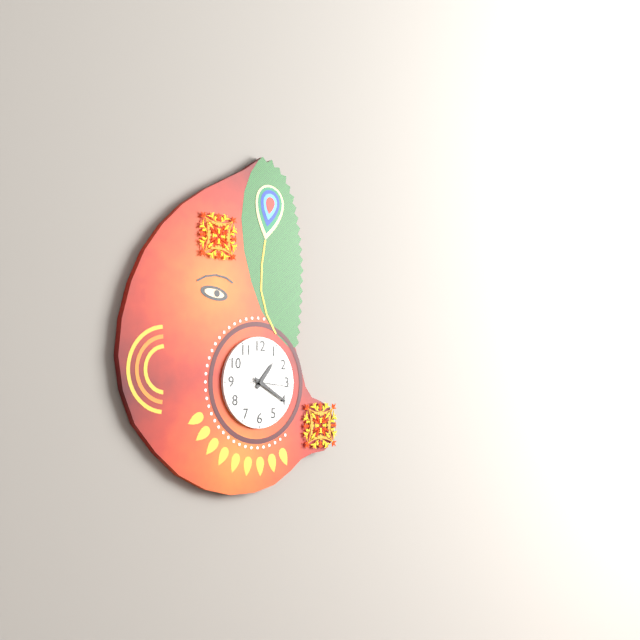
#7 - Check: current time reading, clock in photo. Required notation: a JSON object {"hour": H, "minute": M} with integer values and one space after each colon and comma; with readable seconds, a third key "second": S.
{"hour": 1, "minute": 20}
